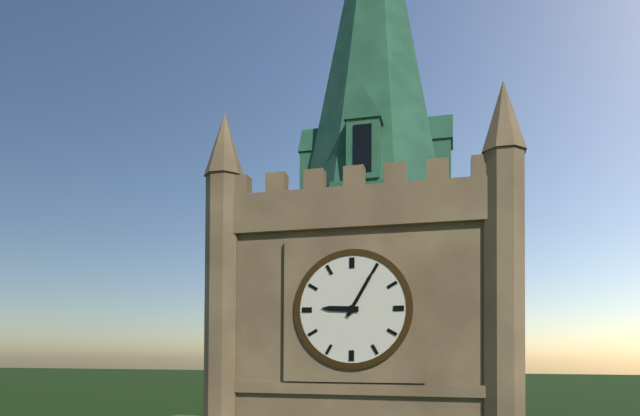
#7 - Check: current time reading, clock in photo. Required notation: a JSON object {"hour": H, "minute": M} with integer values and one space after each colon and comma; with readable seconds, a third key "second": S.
{"hour": 9, "minute": 5}
